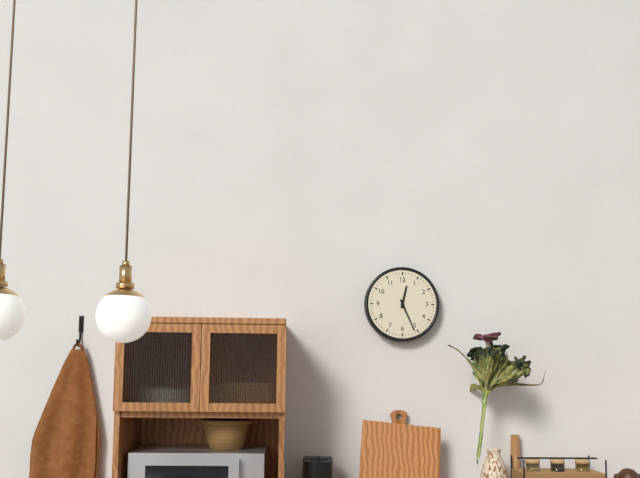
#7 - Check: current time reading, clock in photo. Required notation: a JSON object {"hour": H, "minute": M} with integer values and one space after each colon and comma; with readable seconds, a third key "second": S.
{"hour": 12, "minute": 26}
